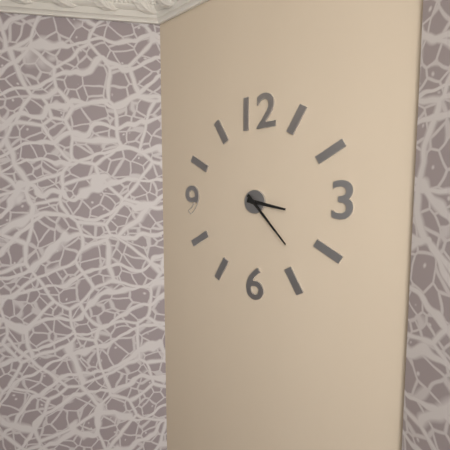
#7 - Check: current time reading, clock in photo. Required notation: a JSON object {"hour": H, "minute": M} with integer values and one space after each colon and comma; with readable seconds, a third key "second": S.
{"hour": 3, "minute": 23}
